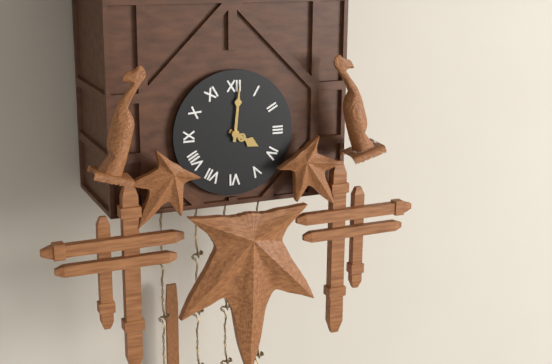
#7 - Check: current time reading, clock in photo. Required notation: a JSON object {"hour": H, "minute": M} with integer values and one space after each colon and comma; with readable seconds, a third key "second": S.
{"hour": 4, "minute": 1}
